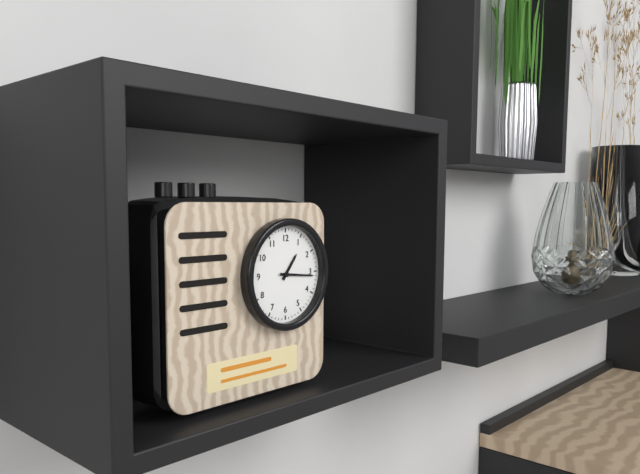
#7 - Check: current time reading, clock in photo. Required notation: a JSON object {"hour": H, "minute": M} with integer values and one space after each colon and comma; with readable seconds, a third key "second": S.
{"hour": 1, "minute": 16}
